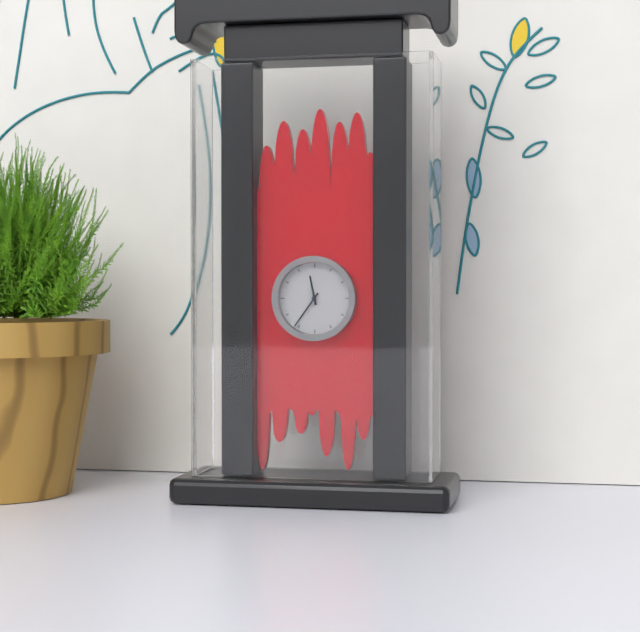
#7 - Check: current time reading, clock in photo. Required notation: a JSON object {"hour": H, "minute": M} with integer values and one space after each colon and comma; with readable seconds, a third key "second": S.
{"hour": 11, "minute": 36}
